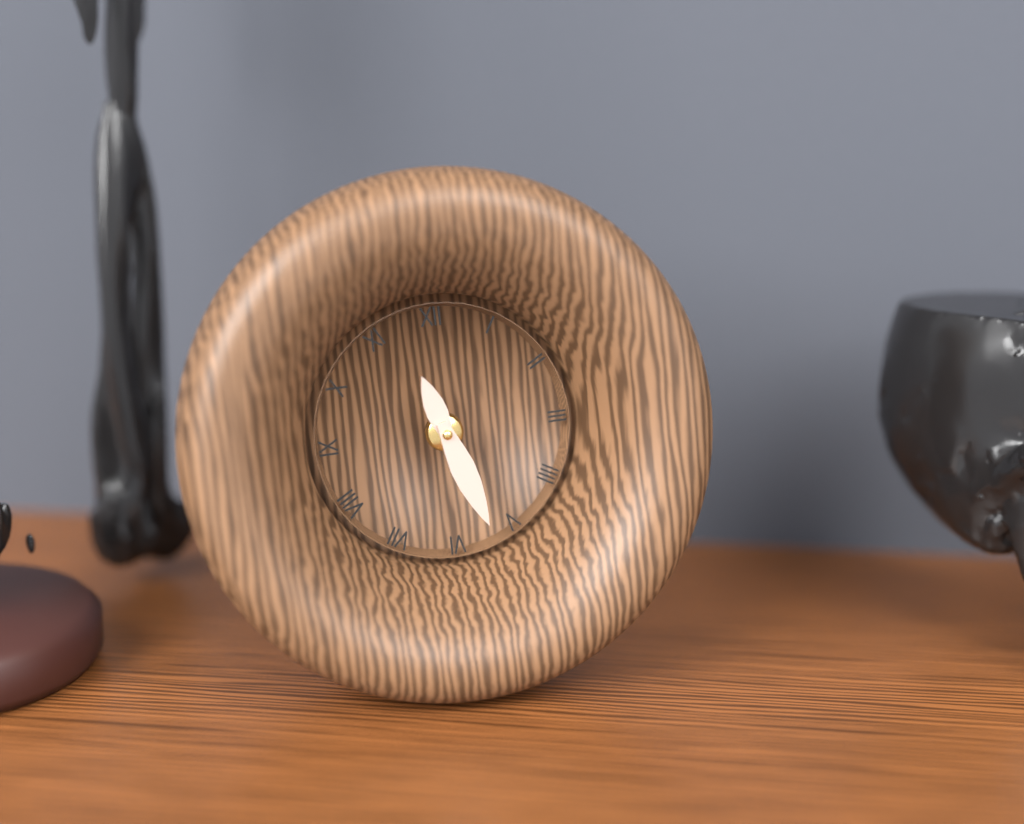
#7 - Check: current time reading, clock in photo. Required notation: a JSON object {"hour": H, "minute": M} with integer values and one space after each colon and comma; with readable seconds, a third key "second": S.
{"hour": 11, "minute": 27}
